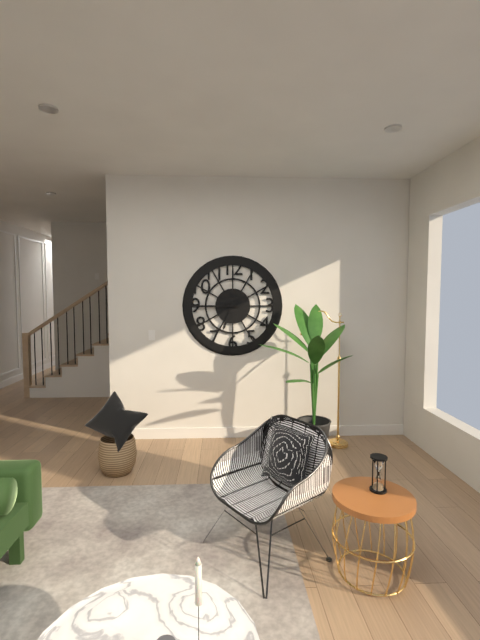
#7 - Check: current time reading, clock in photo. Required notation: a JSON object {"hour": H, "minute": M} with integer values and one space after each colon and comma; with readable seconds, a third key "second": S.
{"hour": 6, "minute": 45}
